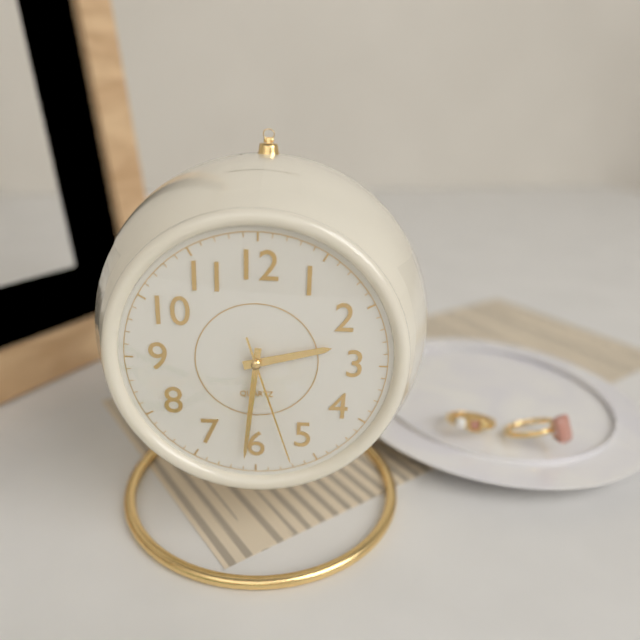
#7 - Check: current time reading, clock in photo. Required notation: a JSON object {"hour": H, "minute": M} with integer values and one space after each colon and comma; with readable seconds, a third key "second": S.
{"hour": 2, "minute": 31, "second": 27}
